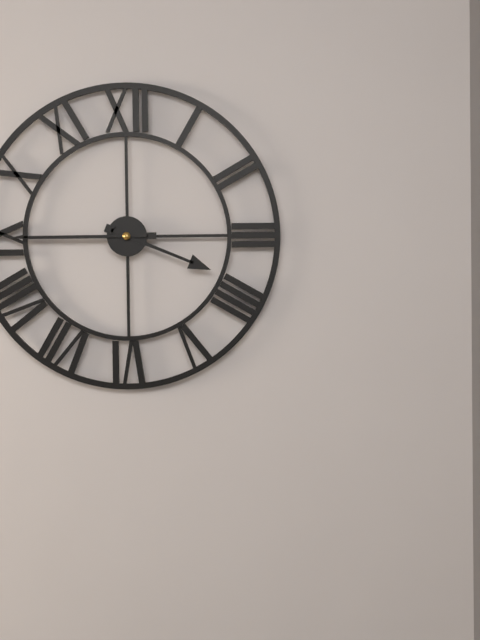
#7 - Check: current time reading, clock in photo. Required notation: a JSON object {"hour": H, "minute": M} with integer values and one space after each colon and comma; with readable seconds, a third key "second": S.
{"hour": 3, "minute": 45}
